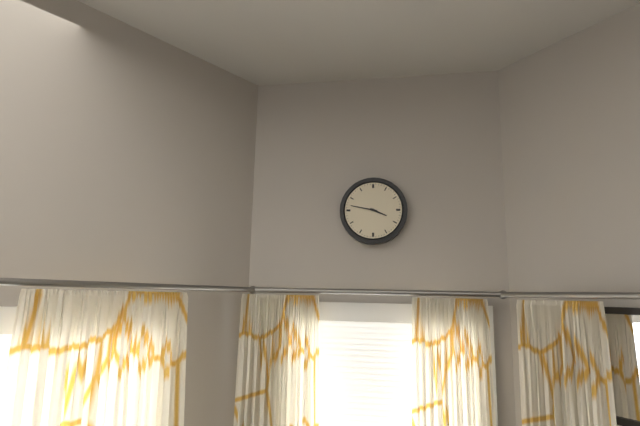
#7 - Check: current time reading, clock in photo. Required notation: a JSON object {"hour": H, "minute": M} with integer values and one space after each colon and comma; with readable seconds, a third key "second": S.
{"hour": 3, "minute": 47}
